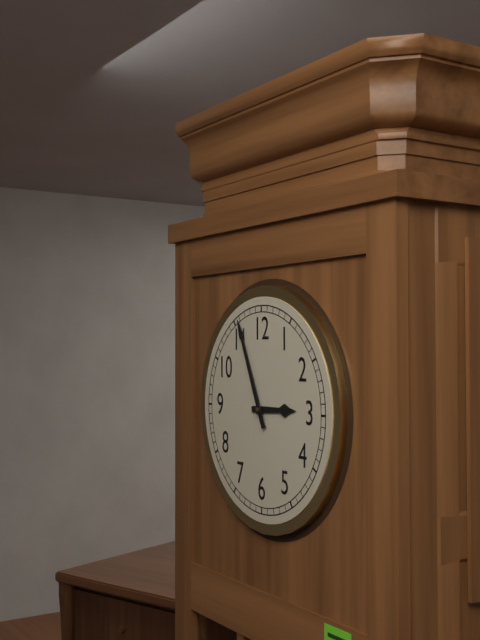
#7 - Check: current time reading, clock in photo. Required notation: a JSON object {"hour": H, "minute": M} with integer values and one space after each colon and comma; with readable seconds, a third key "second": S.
{"hour": 2, "minute": 56}
